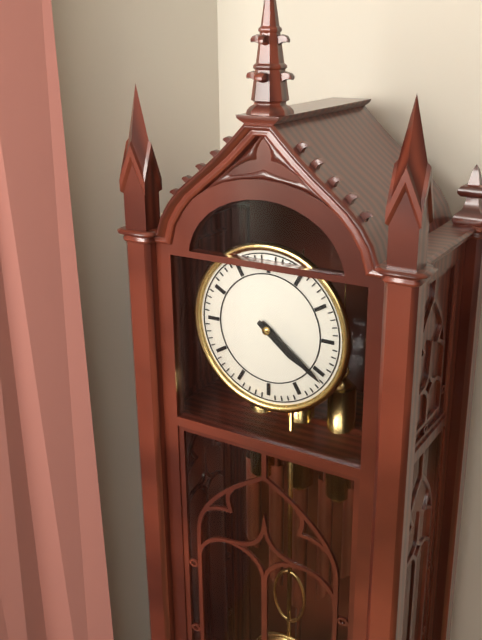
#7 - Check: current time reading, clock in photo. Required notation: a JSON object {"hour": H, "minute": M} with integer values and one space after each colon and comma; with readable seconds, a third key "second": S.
{"hour": 4, "minute": 21}
